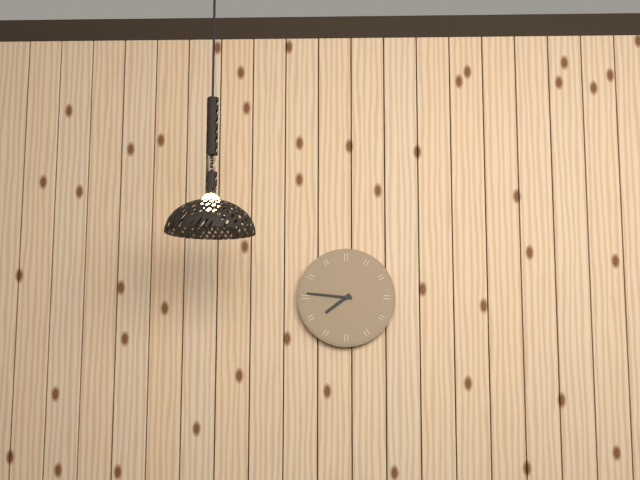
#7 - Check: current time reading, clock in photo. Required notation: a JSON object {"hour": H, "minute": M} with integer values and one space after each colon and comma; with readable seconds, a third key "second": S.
{"hour": 7, "minute": 46}
